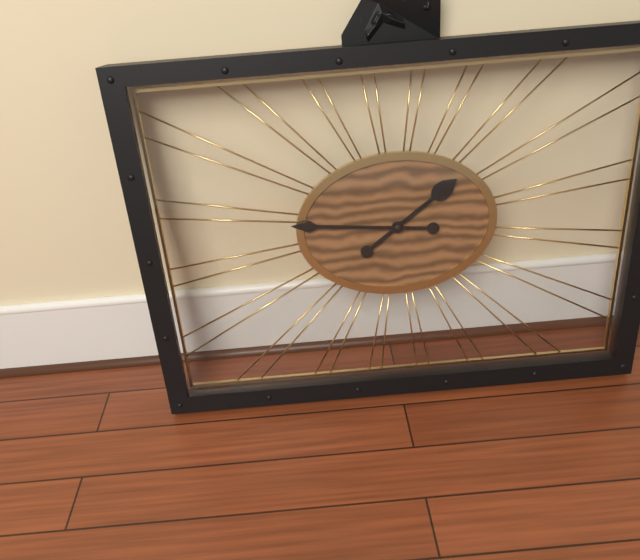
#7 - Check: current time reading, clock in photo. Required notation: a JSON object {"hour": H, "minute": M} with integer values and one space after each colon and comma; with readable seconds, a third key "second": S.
{"hour": 1, "minute": 46}
